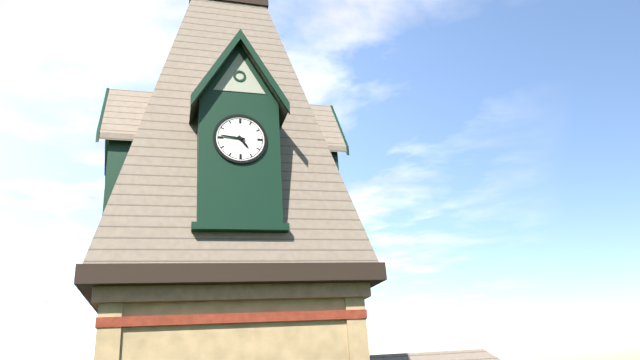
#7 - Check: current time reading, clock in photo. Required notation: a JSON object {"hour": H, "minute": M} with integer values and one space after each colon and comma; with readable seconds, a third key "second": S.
{"hour": 4, "minute": 46}
